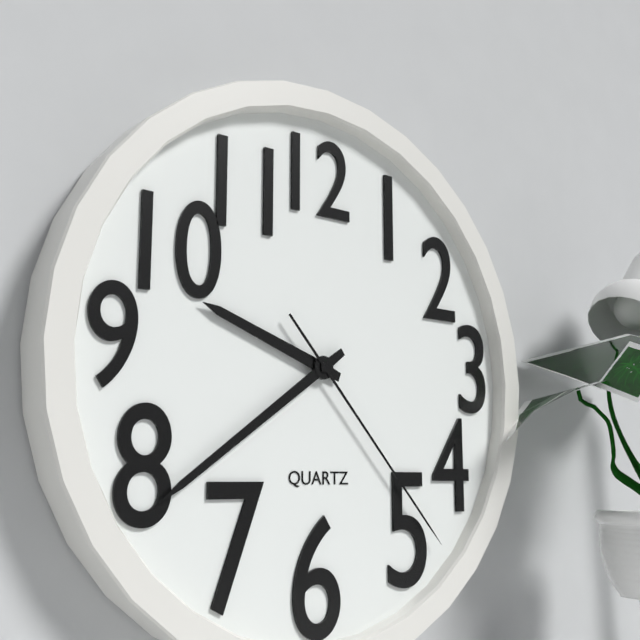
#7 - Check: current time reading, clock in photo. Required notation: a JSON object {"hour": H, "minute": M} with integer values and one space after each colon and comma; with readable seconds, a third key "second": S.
{"hour": 9, "minute": 39, "second": 23}
